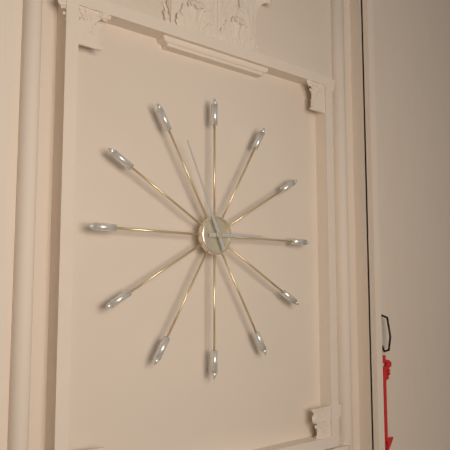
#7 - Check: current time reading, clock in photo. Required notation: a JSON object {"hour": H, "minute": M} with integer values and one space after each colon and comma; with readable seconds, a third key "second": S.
{"hour": 2, "minute": 56}
